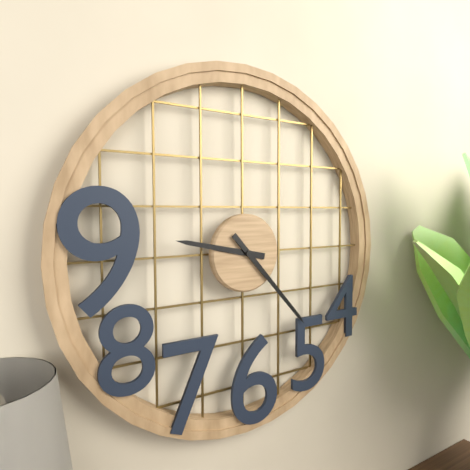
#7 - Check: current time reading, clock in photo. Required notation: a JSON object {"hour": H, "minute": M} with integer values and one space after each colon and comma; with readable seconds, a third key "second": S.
{"hour": 9, "minute": 23}
